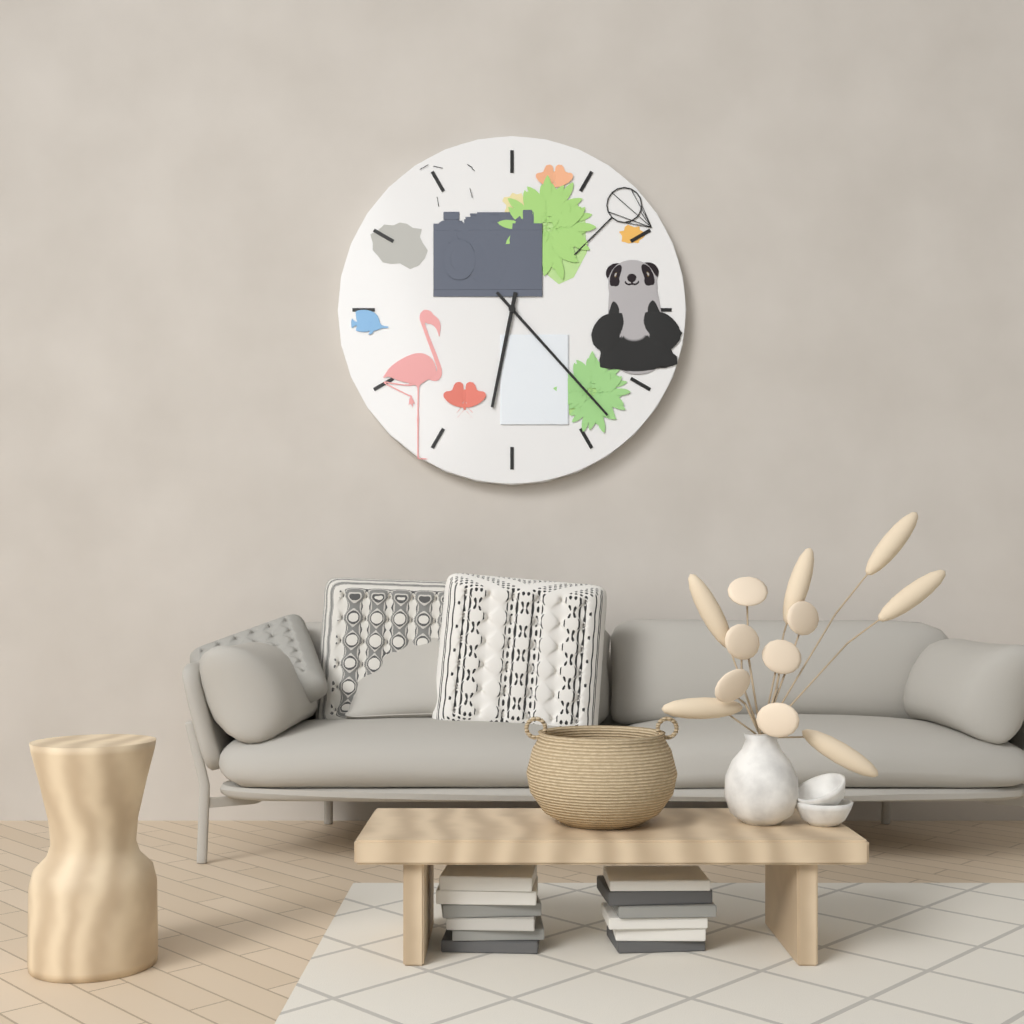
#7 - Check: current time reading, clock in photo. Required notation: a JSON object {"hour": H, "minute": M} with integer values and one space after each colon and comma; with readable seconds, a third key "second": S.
{"hour": 6, "minute": 23}
